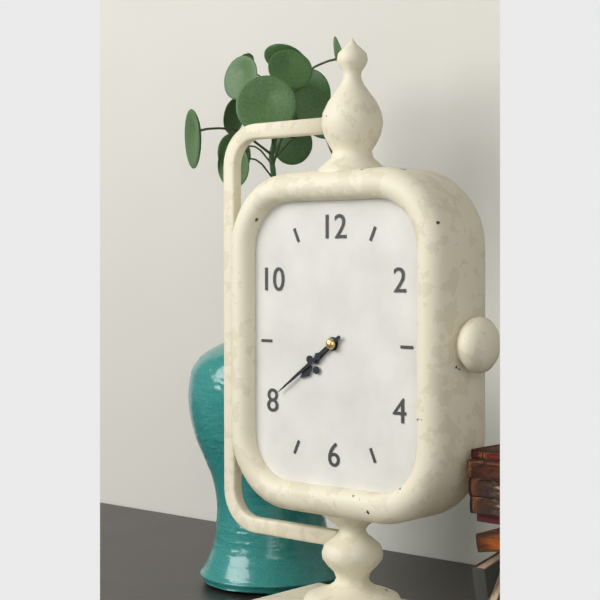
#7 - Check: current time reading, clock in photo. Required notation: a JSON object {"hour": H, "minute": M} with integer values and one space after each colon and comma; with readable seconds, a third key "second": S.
{"hour": 7, "minute": 39}
